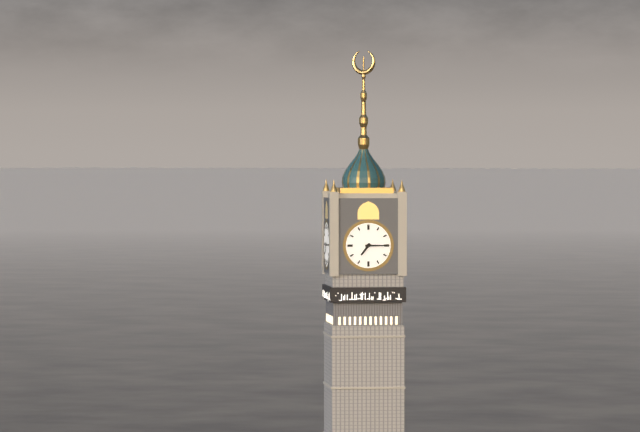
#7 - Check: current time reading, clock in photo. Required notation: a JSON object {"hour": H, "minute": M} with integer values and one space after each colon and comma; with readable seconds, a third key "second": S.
{"hour": 7, "minute": 15}
